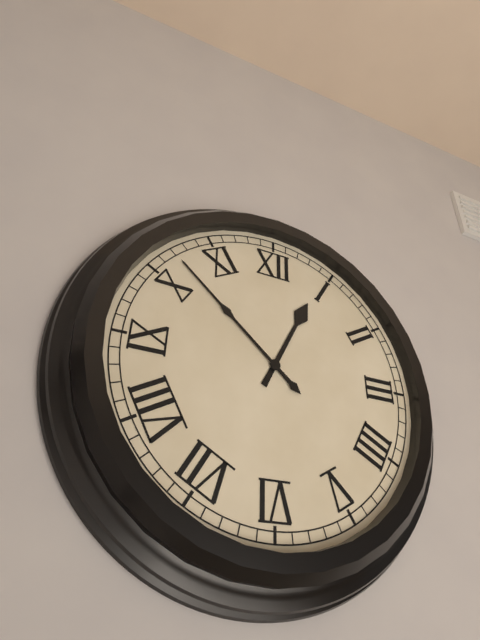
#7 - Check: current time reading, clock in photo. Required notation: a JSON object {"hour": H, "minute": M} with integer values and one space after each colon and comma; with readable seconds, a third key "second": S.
{"hour": 12, "minute": 52}
